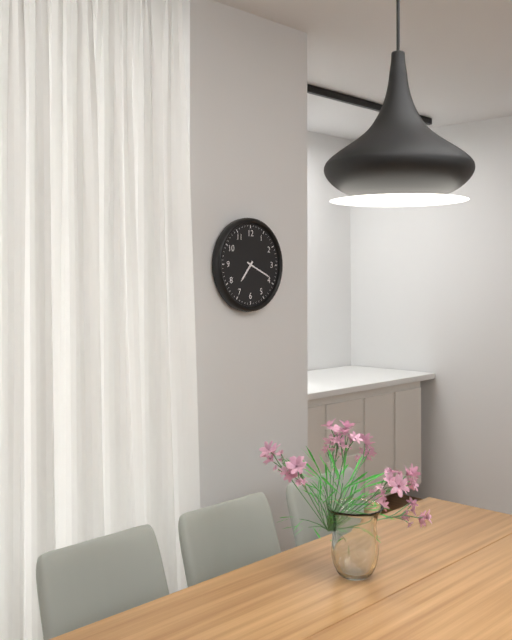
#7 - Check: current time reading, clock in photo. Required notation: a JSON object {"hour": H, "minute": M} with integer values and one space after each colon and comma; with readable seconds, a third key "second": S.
{"hour": 7, "minute": 19}
